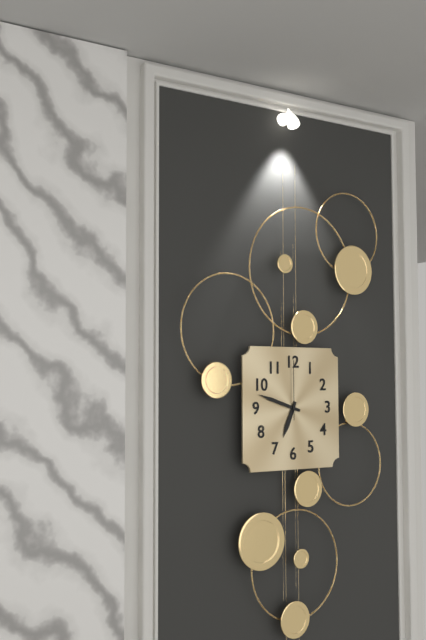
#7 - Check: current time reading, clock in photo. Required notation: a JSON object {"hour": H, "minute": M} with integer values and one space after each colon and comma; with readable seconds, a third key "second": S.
{"hour": 6, "minute": 48, "second": 0}
